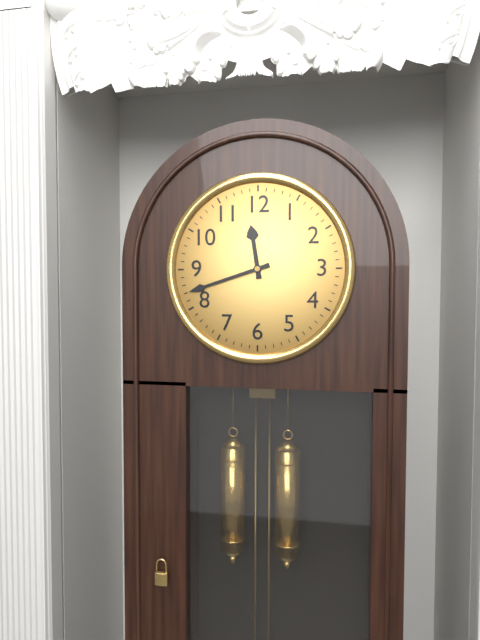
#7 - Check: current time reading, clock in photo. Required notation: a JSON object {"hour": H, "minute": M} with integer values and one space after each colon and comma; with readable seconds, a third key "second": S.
{"hour": 11, "minute": 42}
